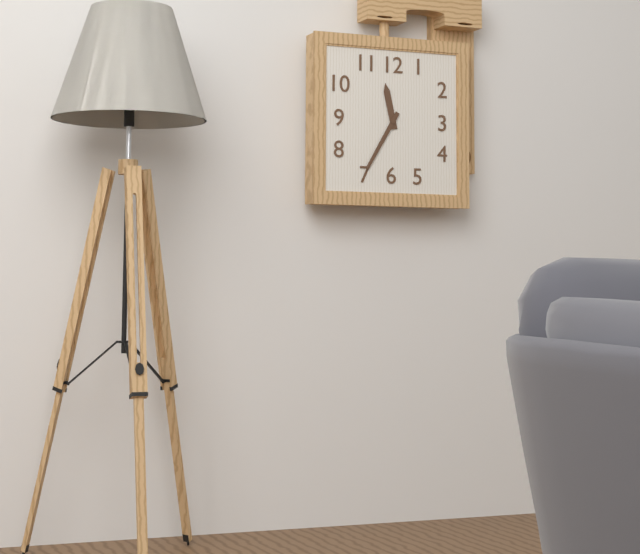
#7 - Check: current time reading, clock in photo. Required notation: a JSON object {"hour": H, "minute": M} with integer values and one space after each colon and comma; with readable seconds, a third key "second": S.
{"hour": 11, "minute": 35}
